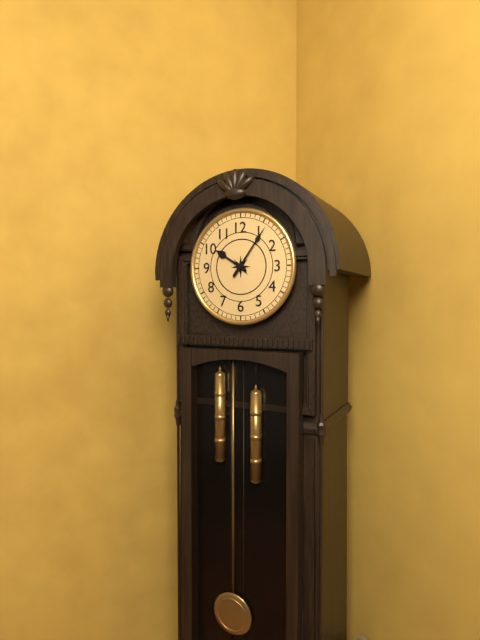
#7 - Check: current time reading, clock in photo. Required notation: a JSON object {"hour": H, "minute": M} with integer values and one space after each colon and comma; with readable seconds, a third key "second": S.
{"hour": 10, "minute": 6}
